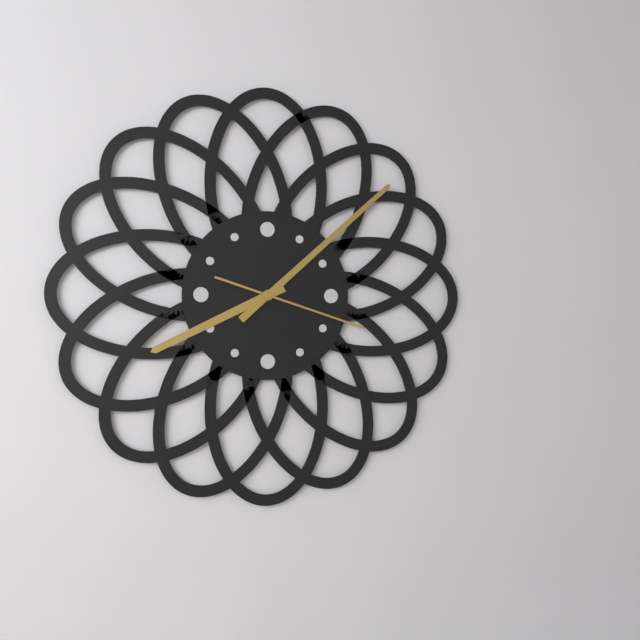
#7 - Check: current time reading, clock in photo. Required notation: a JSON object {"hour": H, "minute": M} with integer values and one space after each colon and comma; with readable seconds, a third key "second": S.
{"hour": 8, "minute": 8, "second": 18}
